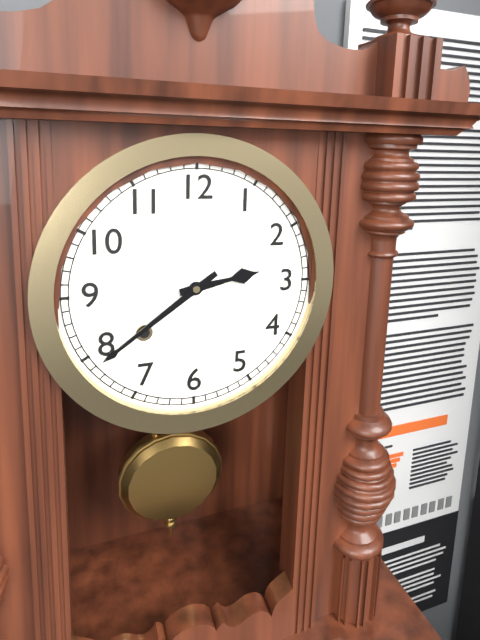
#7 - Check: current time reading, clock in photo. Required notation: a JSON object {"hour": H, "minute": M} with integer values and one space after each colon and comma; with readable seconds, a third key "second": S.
{"hour": 2, "minute": 39}
